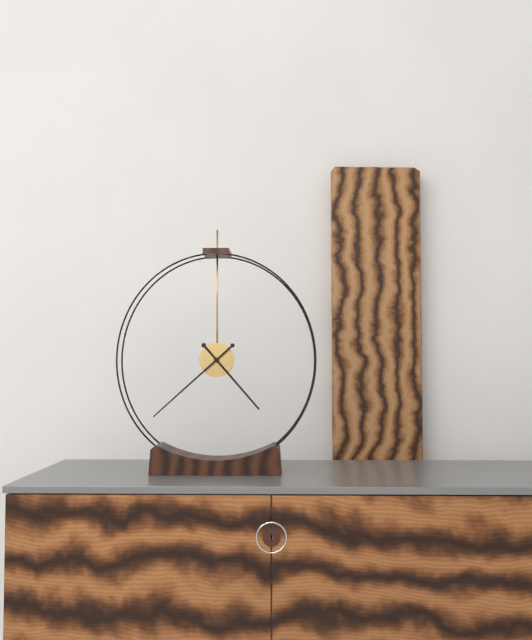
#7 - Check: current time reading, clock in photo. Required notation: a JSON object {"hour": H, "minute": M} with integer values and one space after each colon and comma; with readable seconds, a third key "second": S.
{"hour": 4, "minute": 38}
